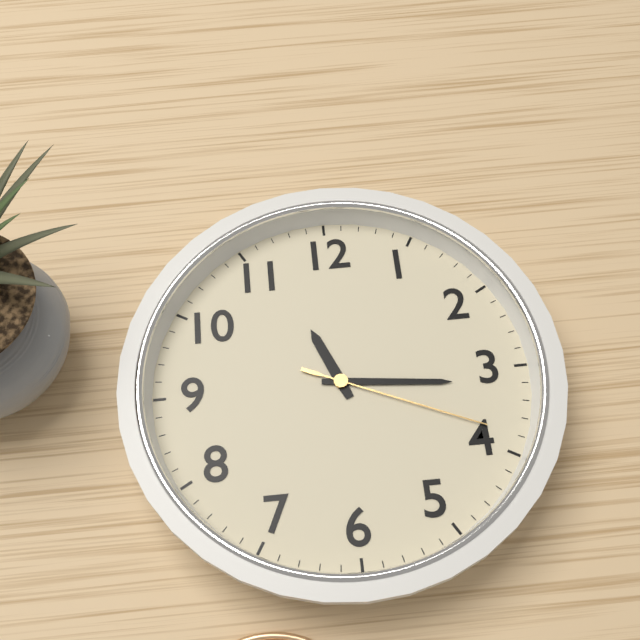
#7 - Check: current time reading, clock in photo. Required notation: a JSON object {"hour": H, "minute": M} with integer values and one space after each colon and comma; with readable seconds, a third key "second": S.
{"hour": 11, "minute": 16, "second": 19}
